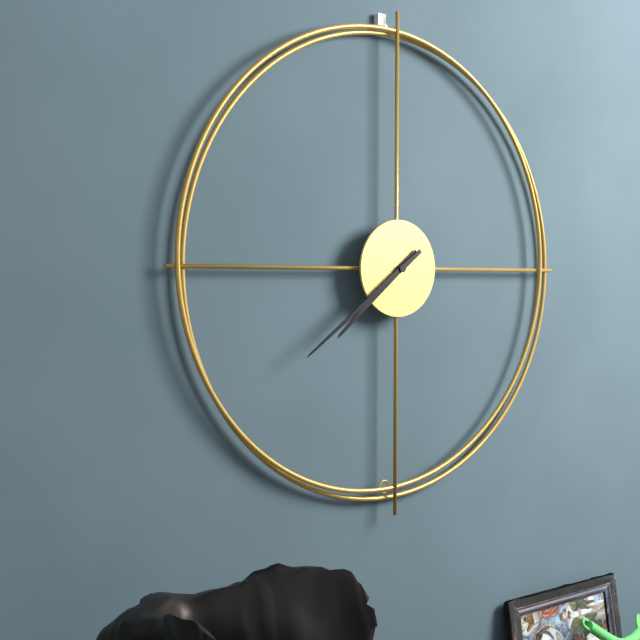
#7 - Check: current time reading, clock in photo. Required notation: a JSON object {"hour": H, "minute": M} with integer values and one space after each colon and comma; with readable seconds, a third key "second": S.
{"hour": 7, "minute": 39}
